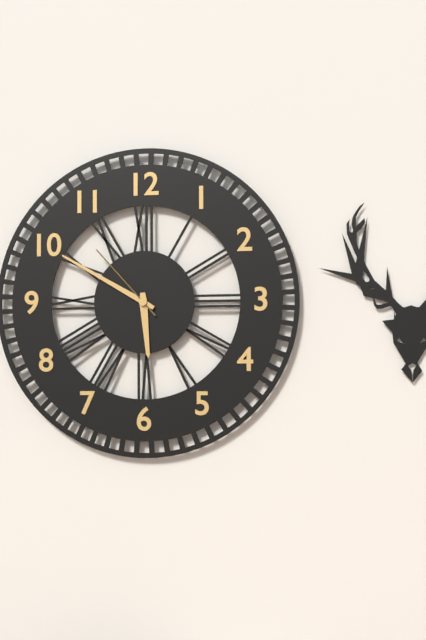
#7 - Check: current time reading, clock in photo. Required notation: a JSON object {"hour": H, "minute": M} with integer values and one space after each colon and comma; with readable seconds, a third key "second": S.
{"hour": 5, "minute": 50, "second": 53}
